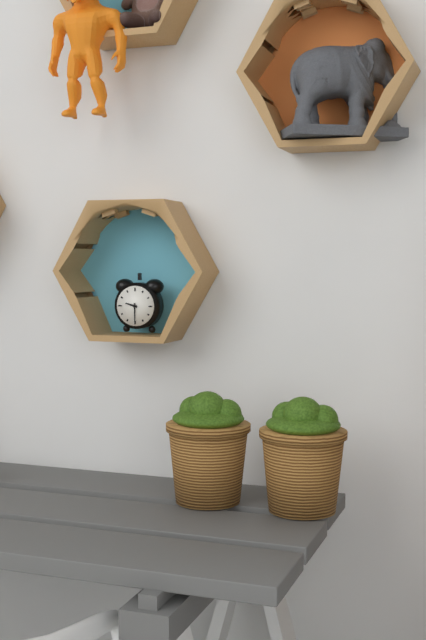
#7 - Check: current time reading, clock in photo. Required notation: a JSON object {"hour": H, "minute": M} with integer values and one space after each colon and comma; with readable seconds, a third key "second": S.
{"hour": 9, "minute": 30}
